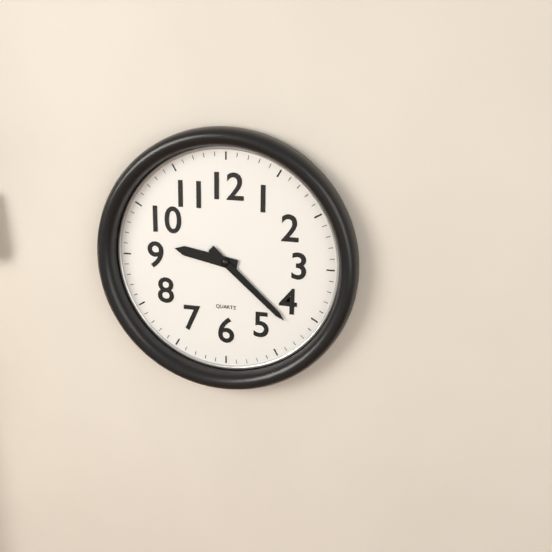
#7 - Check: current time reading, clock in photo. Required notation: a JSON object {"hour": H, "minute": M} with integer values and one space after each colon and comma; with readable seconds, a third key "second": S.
{"hour": 9, "minute": 22}
